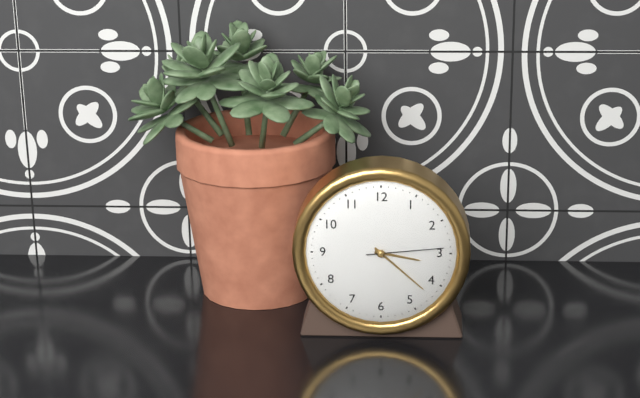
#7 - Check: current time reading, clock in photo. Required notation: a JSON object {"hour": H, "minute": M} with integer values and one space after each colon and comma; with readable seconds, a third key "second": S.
{"hour": 3, "minute": 22, "second": 14}
